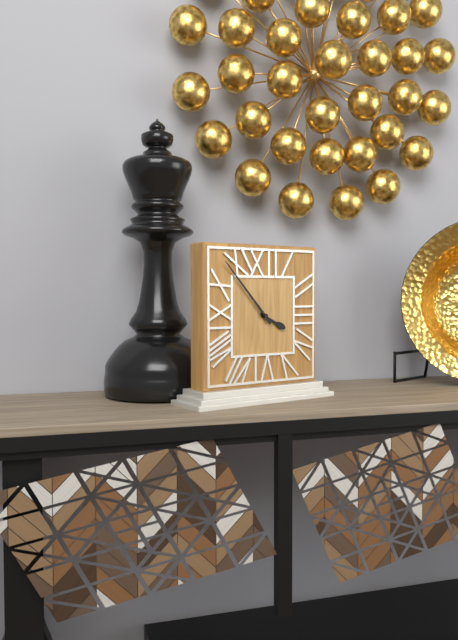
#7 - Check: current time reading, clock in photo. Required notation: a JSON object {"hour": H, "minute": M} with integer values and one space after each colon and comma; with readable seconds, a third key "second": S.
{"hour": 3, "minute": 53}
